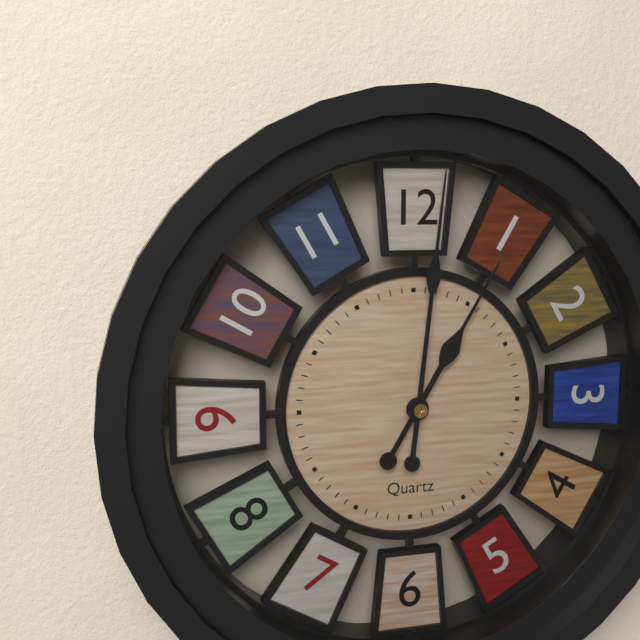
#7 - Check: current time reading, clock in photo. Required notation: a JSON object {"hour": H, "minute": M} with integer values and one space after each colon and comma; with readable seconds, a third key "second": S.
{"hour": 1, "minute": 1}
